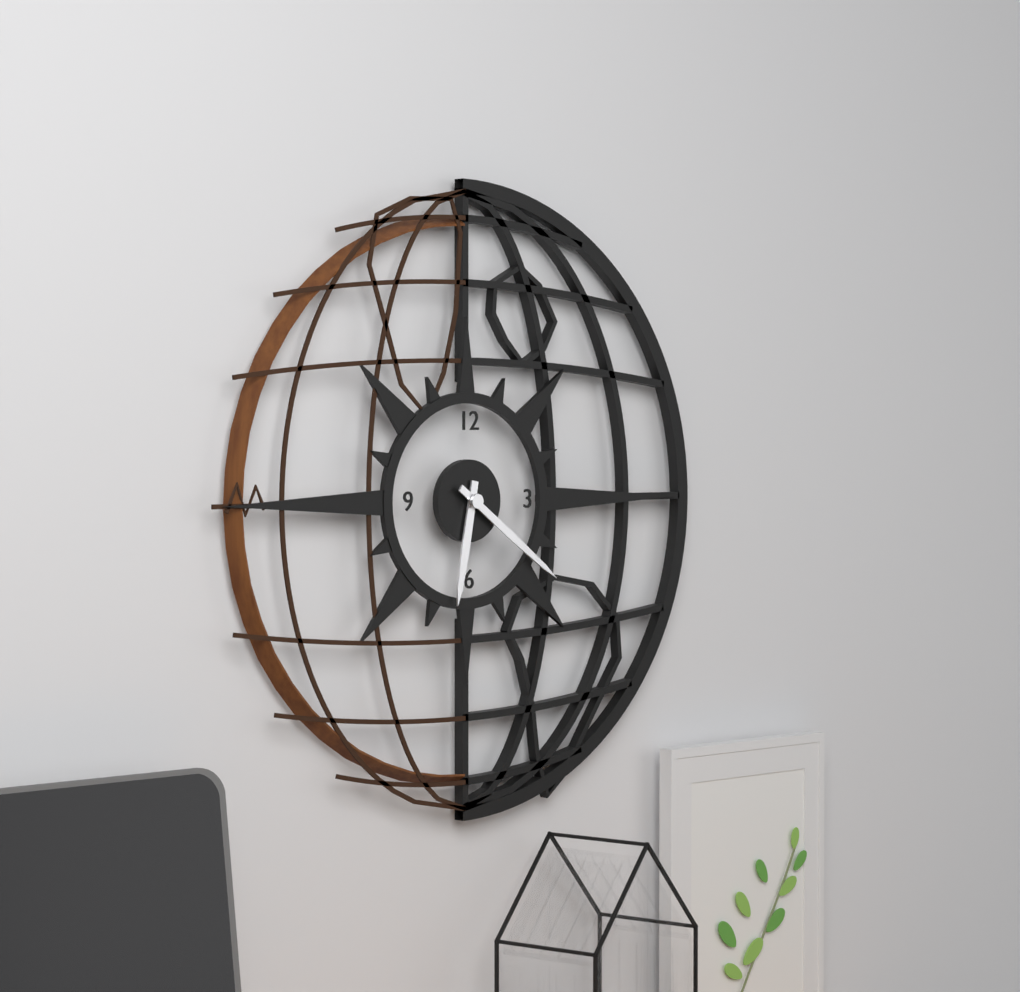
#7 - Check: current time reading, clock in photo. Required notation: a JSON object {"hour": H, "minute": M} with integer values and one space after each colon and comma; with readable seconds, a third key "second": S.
{"hour": 6, "minute": 21}
